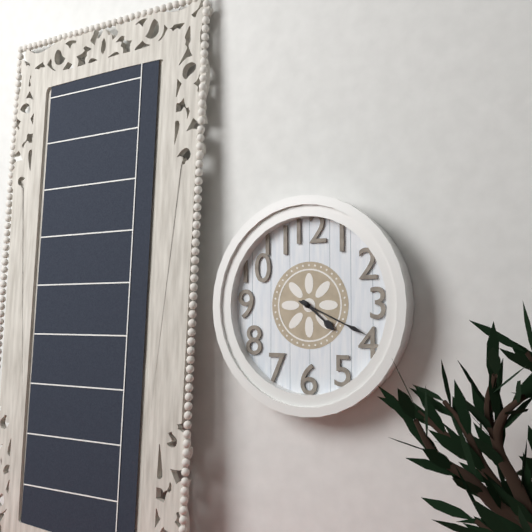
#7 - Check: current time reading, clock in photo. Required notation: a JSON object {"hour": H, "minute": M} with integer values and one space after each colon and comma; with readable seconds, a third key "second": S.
{"hour": 4, "minute": 19}
